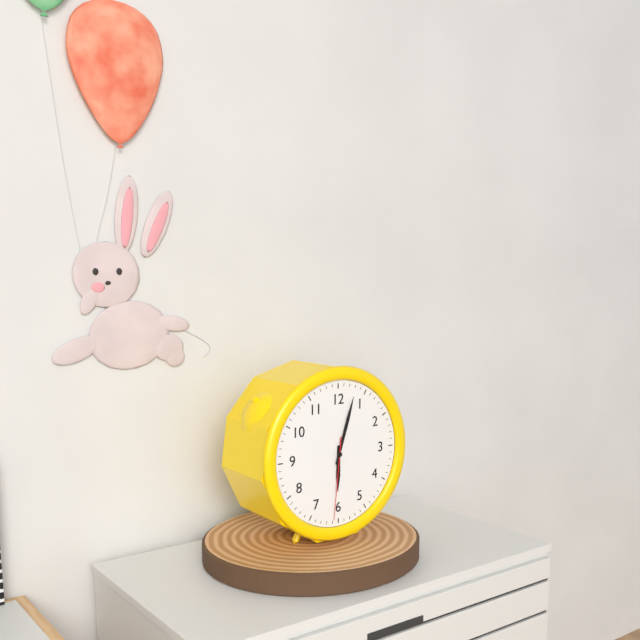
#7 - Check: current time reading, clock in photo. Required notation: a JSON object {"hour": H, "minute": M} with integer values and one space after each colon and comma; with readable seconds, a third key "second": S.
{"hour": 6, "minute": 3, "second": 31}
